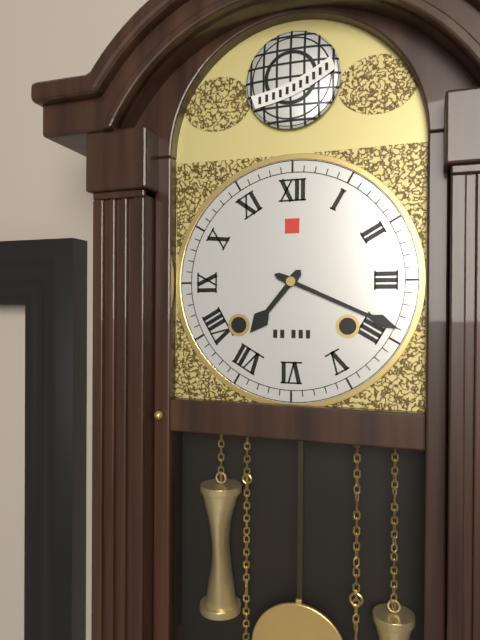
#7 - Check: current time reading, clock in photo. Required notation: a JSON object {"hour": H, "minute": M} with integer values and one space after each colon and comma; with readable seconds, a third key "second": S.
{"hour": 7, "minute": 19}
